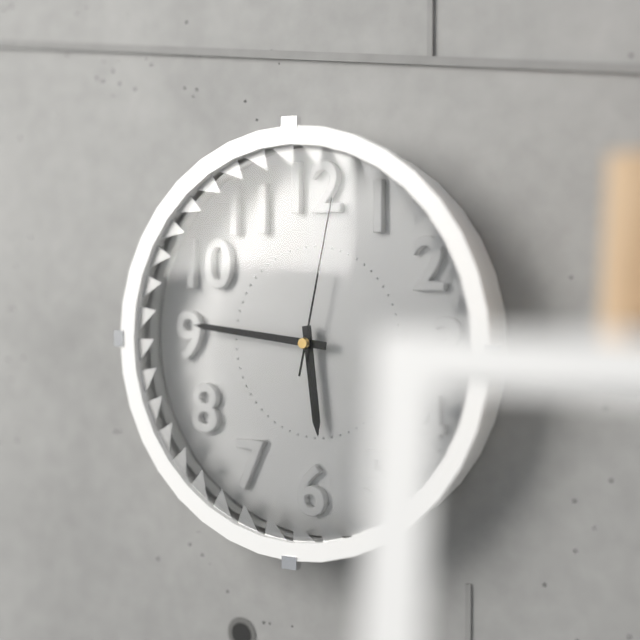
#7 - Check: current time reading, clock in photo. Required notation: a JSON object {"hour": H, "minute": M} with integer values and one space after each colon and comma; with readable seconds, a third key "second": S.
{"hour": 5, "minute": 46, "second": 2}
